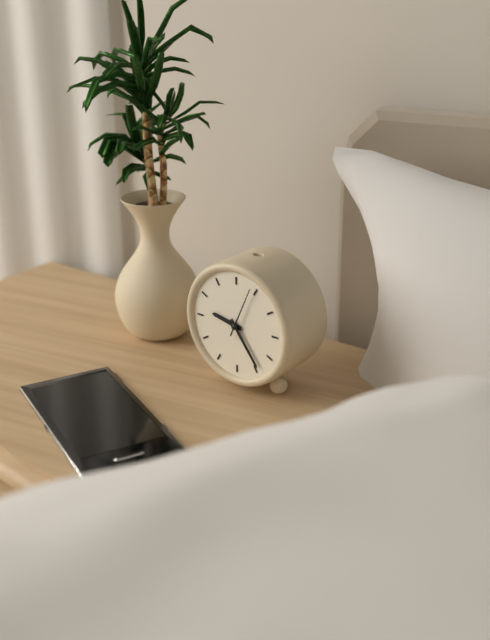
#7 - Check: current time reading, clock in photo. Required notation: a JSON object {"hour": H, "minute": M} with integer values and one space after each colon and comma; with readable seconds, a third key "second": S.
{"hour": 9, "minute": 24}
